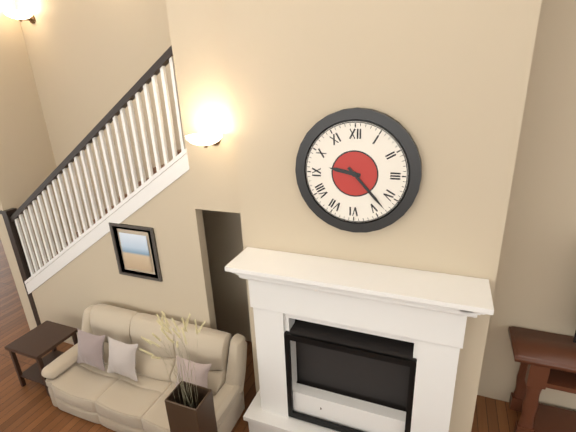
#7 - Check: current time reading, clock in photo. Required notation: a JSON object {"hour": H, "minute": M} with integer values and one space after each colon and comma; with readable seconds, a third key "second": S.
{"hour": 9, "minute": 23}
